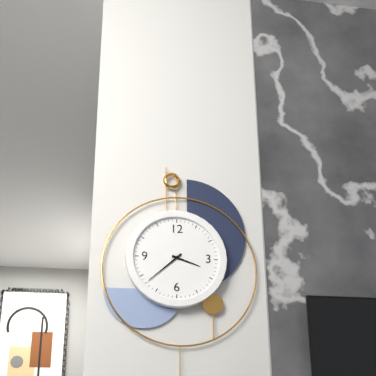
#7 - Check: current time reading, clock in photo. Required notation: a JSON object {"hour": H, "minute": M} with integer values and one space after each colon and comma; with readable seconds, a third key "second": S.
{"hour": 3, "minute": 38}
